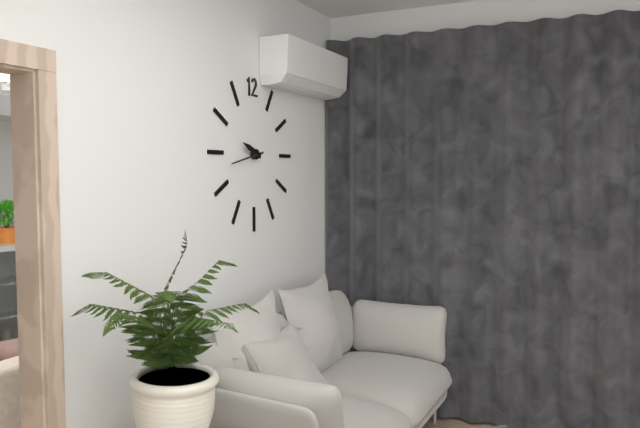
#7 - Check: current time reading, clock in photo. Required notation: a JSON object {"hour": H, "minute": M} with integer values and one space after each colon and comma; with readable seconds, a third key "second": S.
{"hour": 9, "minute": 43}
